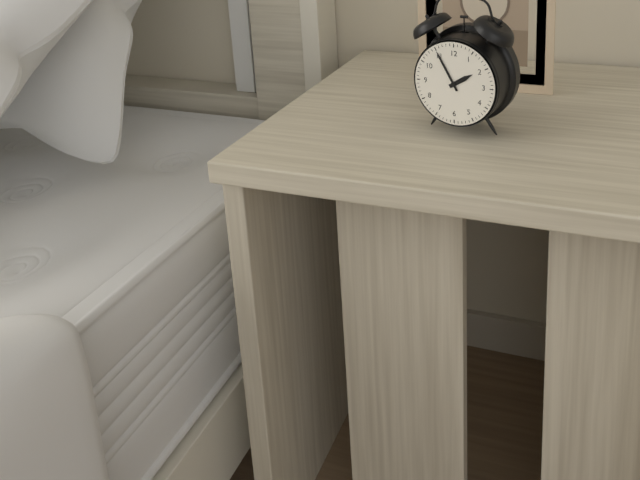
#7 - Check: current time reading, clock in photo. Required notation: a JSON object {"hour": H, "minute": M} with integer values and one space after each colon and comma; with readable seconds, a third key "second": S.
{"hour": 1, "minute": 55}
